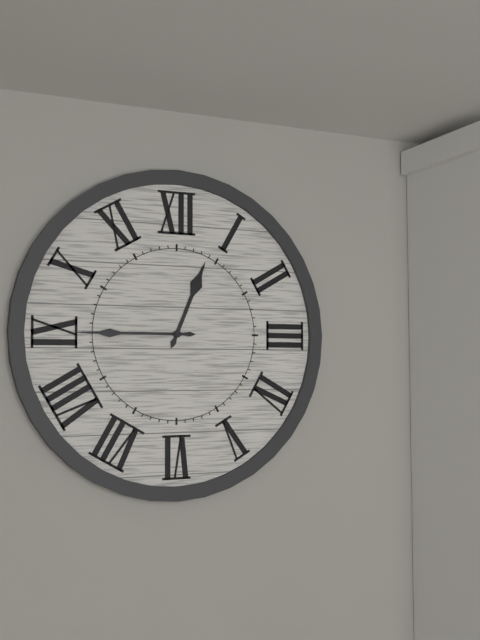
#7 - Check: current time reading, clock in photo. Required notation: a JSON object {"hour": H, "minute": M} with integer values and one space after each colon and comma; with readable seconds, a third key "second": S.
{"hour": 12, "minute": 45}
